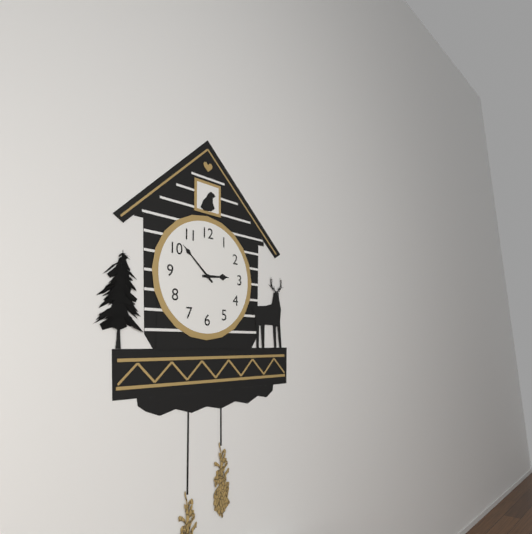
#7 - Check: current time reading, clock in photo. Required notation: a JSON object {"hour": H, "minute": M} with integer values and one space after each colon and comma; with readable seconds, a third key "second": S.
{"hour": 2, "minute": 52}
